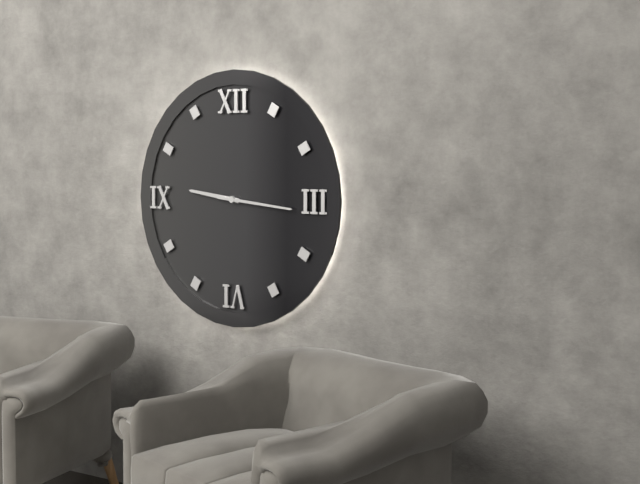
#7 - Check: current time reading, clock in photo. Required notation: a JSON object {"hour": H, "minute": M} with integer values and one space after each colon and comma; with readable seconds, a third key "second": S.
{"hour": 9, "minute": 16}
